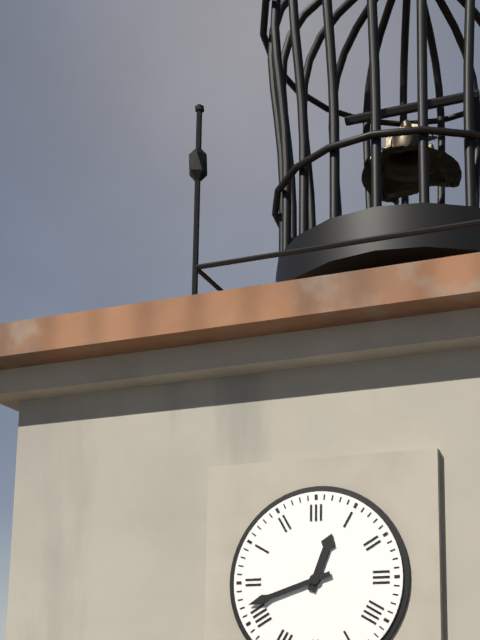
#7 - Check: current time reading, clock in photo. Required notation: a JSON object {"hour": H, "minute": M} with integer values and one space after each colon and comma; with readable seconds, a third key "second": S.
{"hour": 12, "minute": 42}
